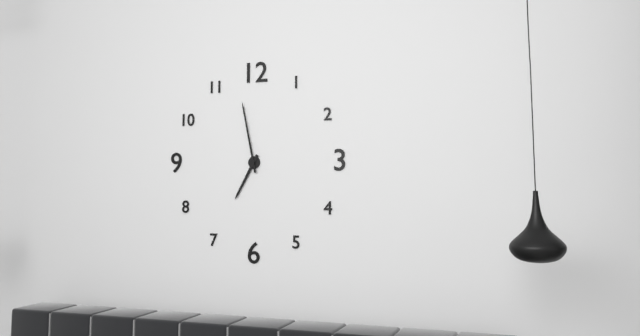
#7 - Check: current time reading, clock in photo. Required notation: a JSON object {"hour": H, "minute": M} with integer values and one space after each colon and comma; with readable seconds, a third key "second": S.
{"hour": 6, "minute": 58}
